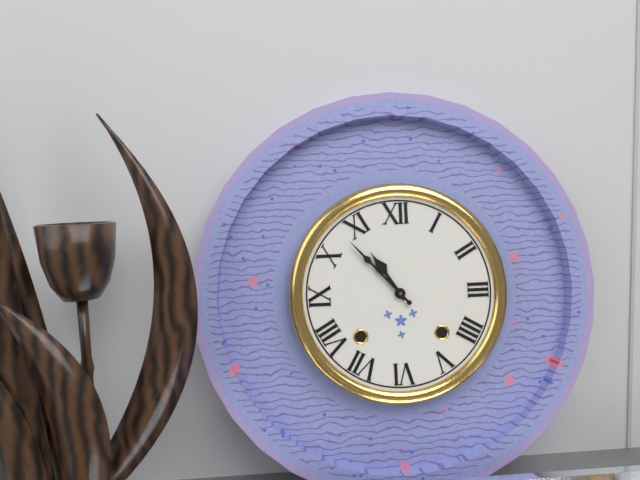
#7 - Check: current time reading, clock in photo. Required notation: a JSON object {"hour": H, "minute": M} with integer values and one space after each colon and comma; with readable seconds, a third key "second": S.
{"hour": 10, "minute": 53}
